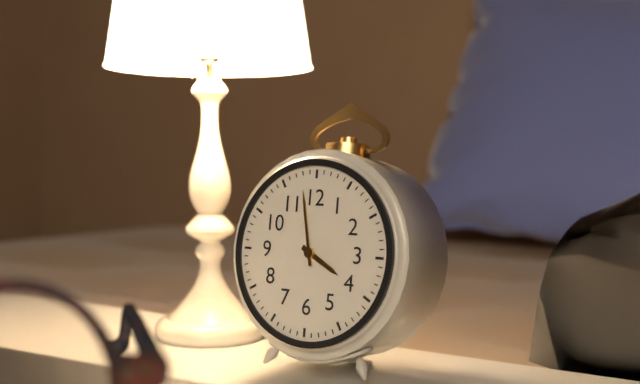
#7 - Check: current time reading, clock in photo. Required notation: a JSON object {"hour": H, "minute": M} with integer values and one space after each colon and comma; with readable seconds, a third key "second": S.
{"hour": 3, "minute": 58}
